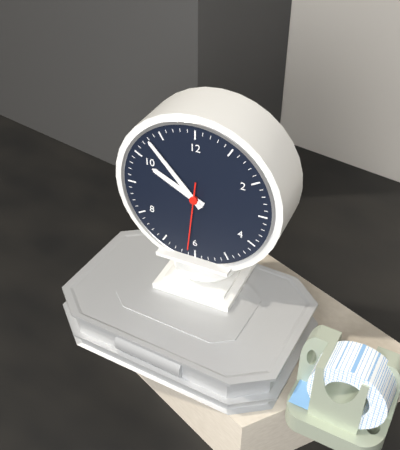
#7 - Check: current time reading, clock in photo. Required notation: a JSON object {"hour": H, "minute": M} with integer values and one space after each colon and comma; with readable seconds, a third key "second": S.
{"hour": 9, "minute": 53, "second": 31}
